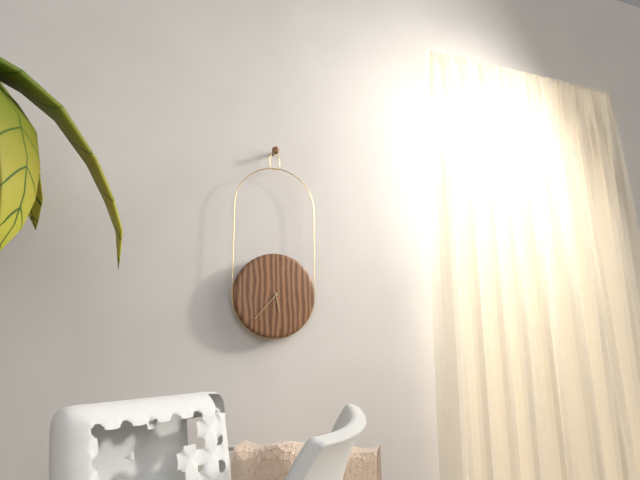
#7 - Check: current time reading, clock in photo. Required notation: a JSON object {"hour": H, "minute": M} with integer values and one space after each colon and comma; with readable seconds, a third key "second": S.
{"hour": 5, "minute": 37}
